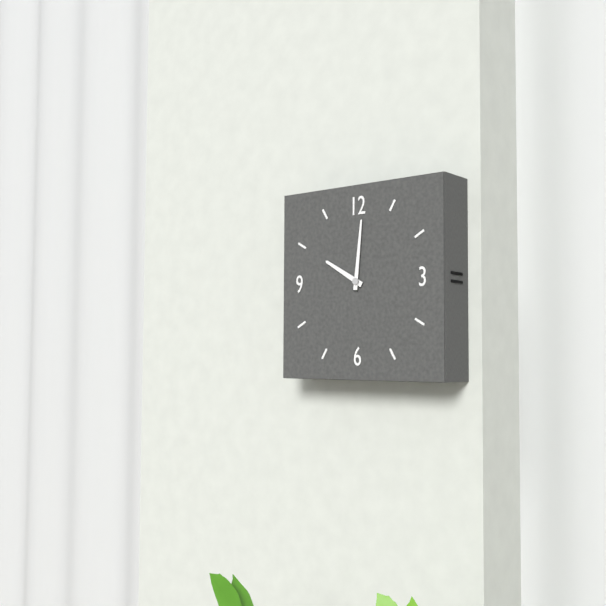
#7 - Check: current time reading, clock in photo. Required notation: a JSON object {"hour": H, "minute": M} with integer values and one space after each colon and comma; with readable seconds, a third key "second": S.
{"hour": 10, "minute": 1}
